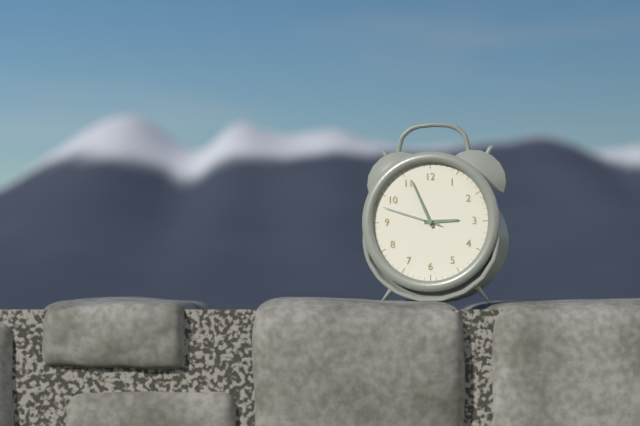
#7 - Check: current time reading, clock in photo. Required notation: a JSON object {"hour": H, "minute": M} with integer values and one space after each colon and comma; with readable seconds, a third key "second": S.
{"hour": 2, "minute": 56, "second": 48}
